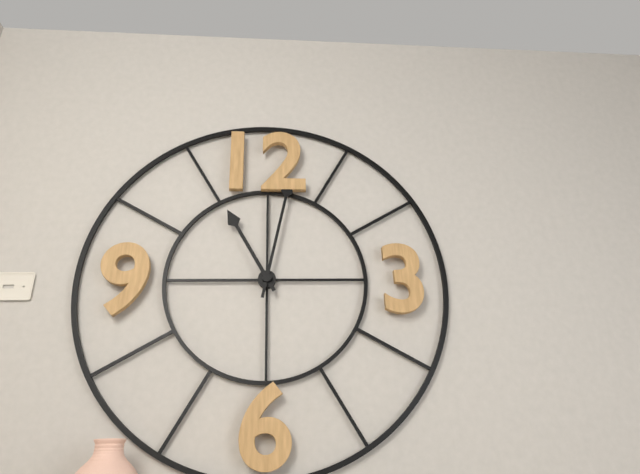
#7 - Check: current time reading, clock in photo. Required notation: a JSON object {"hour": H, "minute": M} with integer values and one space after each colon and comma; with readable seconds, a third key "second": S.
{"hour": 11, "minute": 2}
